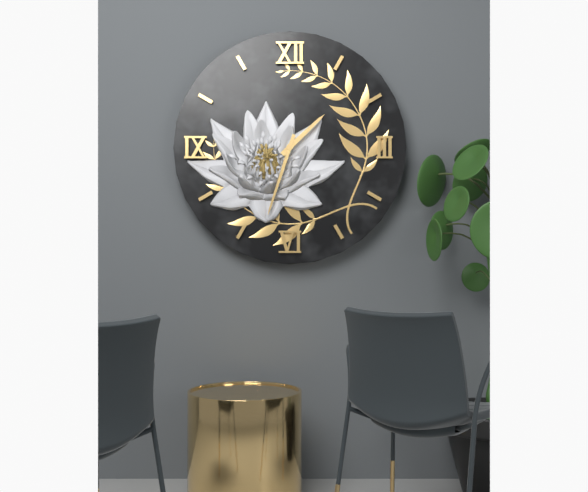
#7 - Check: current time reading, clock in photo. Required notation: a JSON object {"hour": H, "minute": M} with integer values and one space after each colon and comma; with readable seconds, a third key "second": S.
{"hour": 1, "minute": 33}
